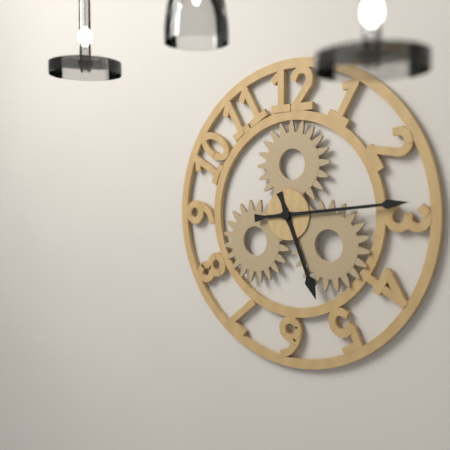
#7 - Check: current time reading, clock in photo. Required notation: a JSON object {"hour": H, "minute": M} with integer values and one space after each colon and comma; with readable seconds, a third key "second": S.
{"hour": 5, "minute": 14}
